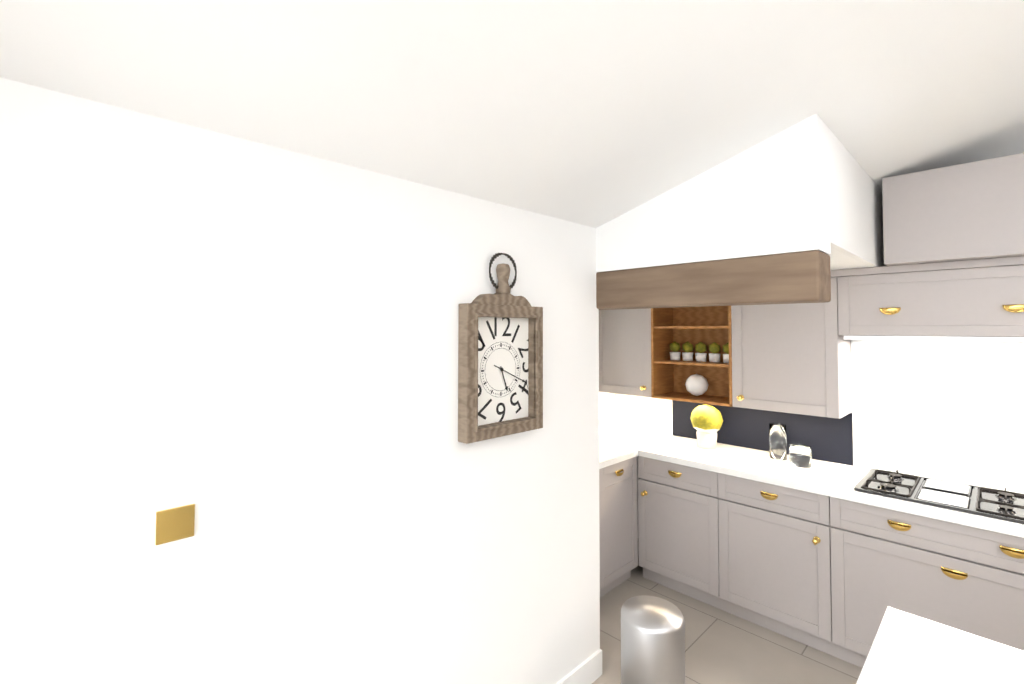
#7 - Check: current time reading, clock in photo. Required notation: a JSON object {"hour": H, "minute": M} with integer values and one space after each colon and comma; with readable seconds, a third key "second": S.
{"hour": 5, "minute": 19}
